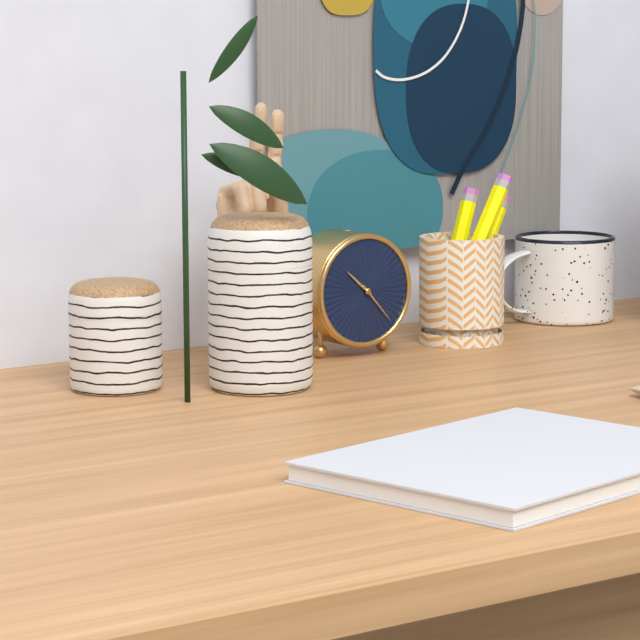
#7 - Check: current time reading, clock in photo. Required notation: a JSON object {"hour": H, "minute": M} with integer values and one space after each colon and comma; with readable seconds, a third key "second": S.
{"hour": 10, "minute": 23}
